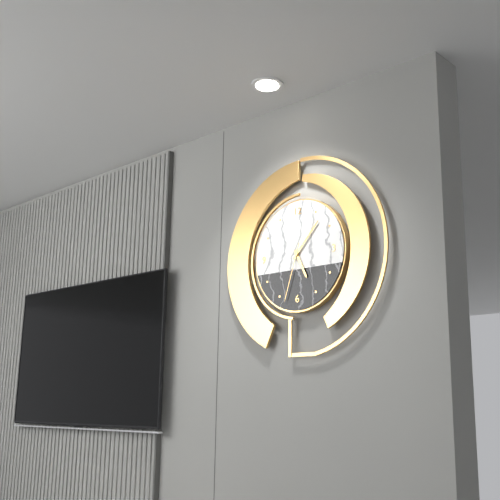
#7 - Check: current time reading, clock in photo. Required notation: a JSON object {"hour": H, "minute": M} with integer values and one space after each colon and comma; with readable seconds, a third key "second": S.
{"hour": 5, "minute": 7, "second": 33}
